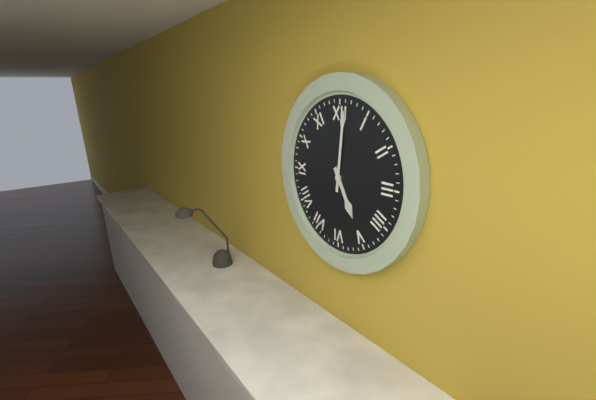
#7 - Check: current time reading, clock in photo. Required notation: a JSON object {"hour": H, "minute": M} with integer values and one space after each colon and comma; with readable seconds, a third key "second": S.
{"hour": 5, "minute": 1}
